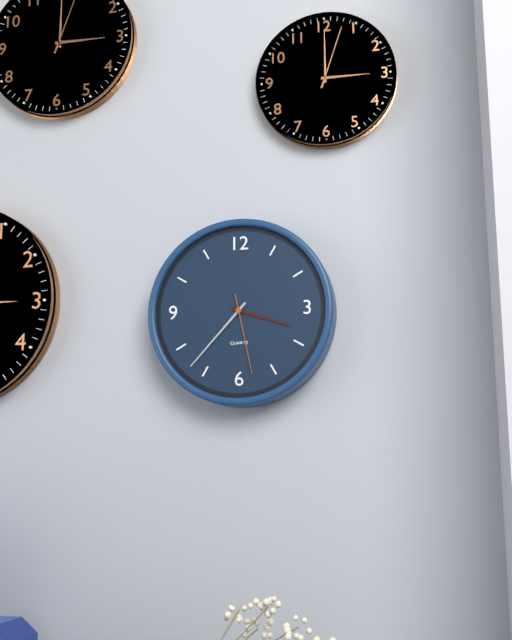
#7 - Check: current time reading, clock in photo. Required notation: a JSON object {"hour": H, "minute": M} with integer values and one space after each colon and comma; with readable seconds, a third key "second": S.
{"hour": 3, "minute": 37, "second": 28}
